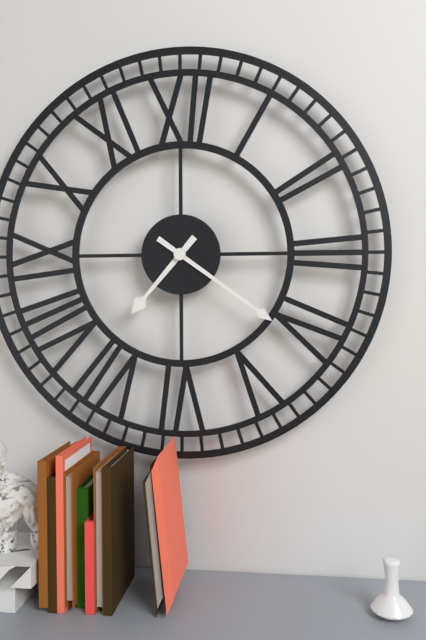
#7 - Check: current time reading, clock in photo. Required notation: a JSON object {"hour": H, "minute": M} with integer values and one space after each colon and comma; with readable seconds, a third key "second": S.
{"hour": 7, "minute": 21}
